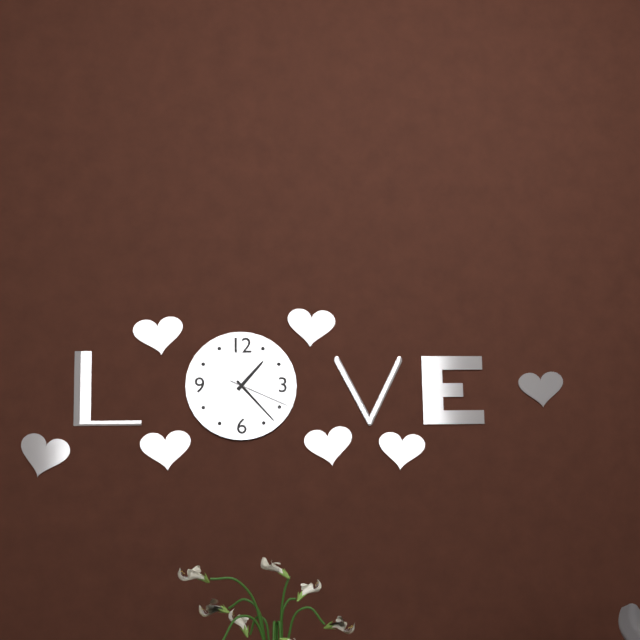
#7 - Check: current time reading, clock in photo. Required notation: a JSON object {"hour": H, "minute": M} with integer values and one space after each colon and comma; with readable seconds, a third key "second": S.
{"hour": 1, "minute": 23, "second": 19}
